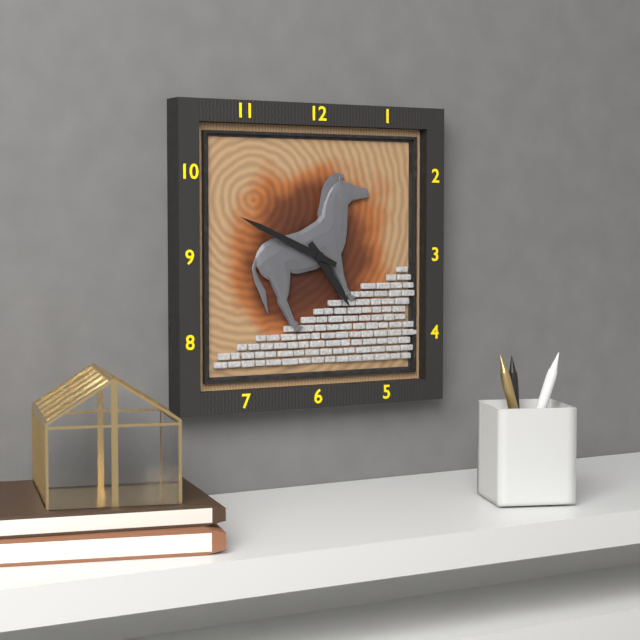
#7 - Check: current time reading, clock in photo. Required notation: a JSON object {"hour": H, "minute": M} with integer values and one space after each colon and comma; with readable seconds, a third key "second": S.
{"hour": 4, "minute": 49}
